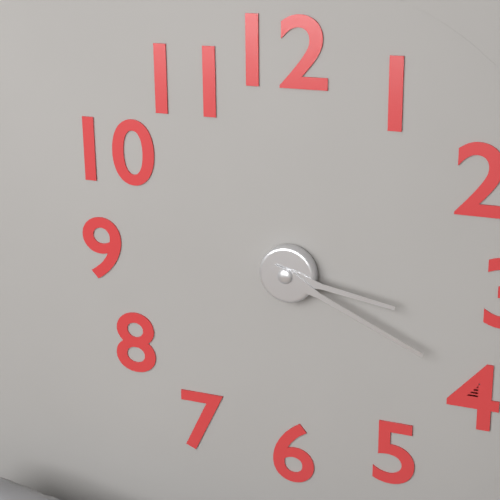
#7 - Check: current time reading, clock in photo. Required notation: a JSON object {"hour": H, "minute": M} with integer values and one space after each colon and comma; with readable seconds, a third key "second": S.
{"hour": 3, "minute": 19}
